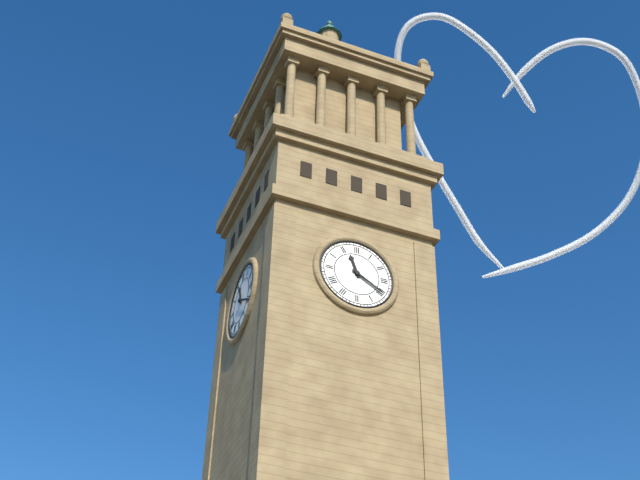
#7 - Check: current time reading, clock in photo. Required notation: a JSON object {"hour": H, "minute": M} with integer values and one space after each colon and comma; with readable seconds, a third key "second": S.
{"hour": 11, "minute": 20}
